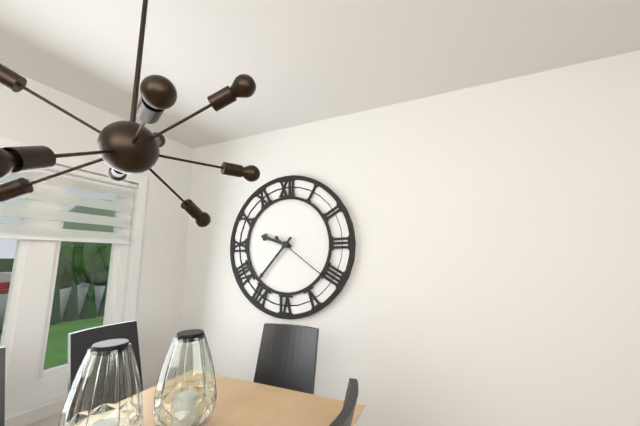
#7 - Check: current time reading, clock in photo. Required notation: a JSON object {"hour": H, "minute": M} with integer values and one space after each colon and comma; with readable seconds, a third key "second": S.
{"hour": 9, "minute": 37, "second": 21}
